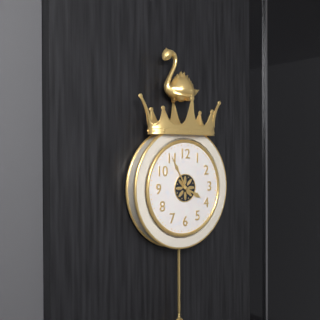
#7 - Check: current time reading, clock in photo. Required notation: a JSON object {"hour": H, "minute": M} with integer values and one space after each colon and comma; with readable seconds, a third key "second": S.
{"hour": 3, "minute": 55}
